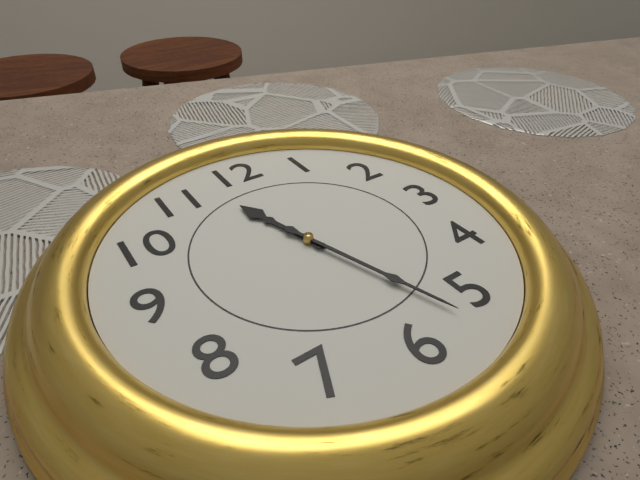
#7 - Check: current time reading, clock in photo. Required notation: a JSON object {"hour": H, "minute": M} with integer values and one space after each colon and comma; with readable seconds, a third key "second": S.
{"hour": 11, "minute": 27}
